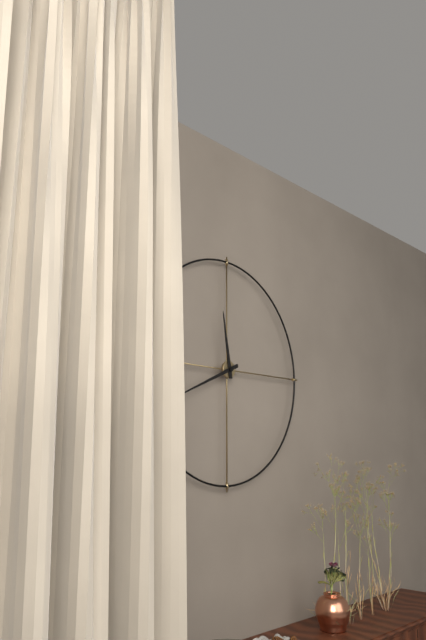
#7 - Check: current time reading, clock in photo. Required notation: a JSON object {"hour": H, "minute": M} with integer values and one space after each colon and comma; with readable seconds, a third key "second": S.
{"hour": 11, "minute": 41}
